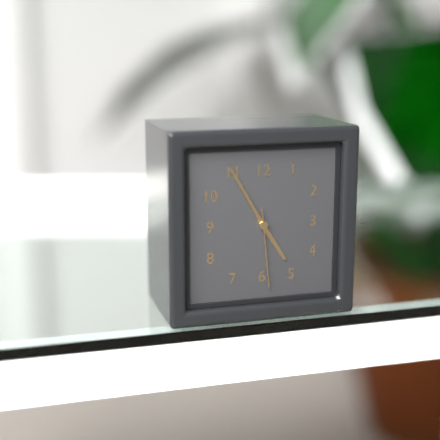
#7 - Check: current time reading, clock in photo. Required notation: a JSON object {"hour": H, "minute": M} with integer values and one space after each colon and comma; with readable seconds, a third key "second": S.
{"hour": 4, "minute": 55, "second": 29}
